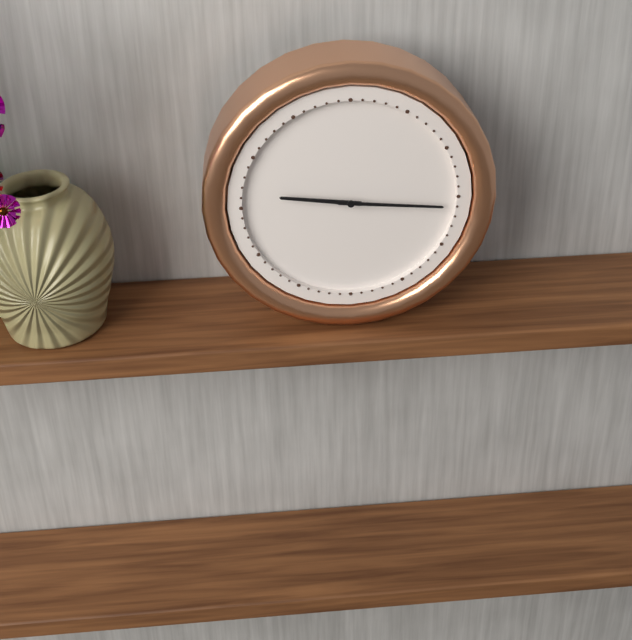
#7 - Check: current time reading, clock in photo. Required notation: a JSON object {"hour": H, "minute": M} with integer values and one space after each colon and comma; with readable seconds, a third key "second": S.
{"hour": 9, "minute": 16}
